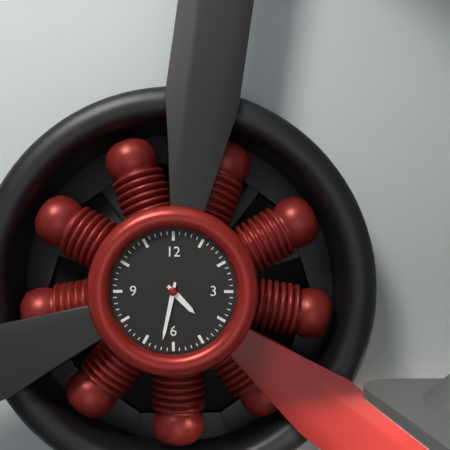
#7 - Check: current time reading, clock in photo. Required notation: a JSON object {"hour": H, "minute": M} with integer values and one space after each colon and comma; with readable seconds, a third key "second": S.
{"hour": 4, "minute": 32}
